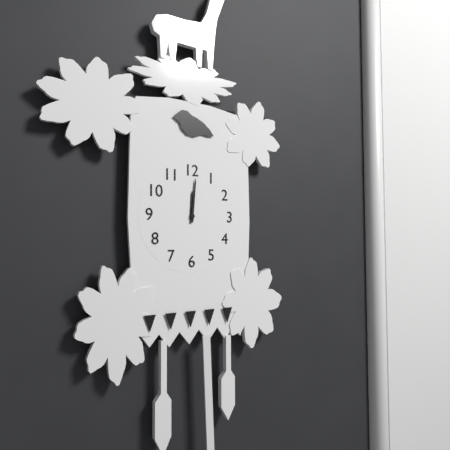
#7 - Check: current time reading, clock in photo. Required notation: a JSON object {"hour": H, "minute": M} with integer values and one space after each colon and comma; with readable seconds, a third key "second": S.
{"hour": 12, "minute": 1}
